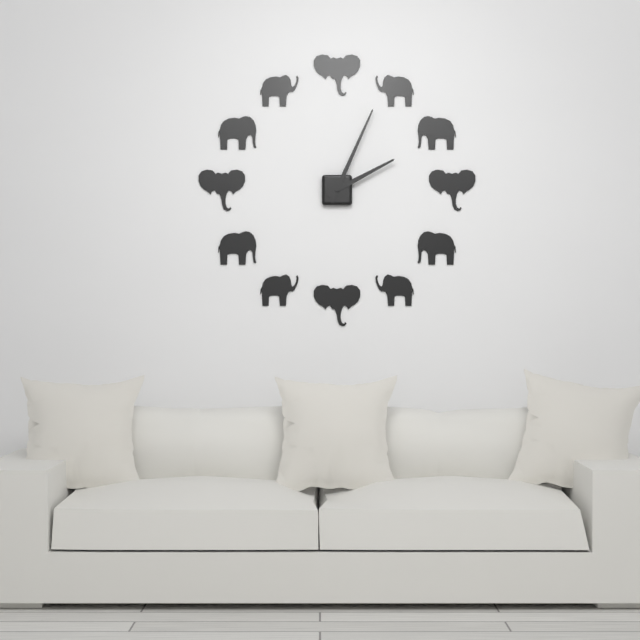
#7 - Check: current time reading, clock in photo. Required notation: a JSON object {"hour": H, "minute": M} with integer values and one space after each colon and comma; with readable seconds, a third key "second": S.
{"hour": 2, "minute": 4}
